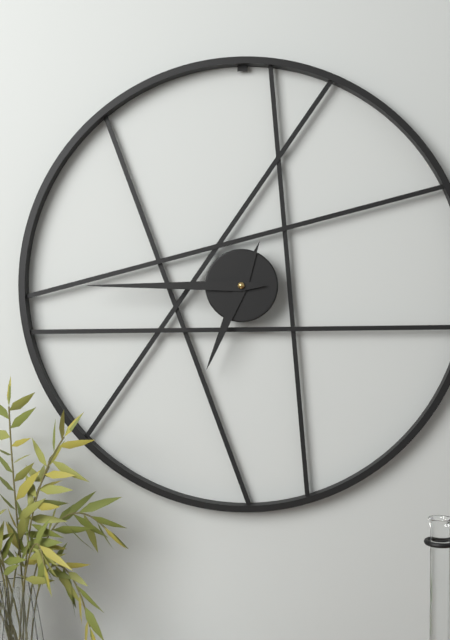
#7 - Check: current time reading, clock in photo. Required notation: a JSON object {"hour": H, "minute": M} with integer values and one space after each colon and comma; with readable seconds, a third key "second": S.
{"hour": 6, "minute": 45}
